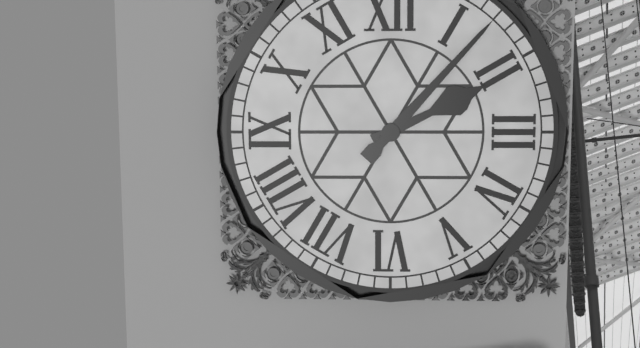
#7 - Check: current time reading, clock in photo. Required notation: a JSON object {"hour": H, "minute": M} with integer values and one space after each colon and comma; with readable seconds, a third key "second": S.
{"hour": 2, "minute": 7}
